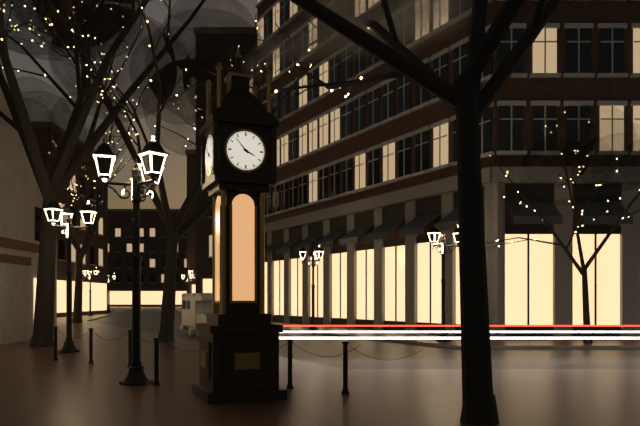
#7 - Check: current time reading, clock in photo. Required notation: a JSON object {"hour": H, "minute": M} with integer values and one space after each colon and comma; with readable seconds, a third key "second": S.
{"hour": 3, "minute": 53}
